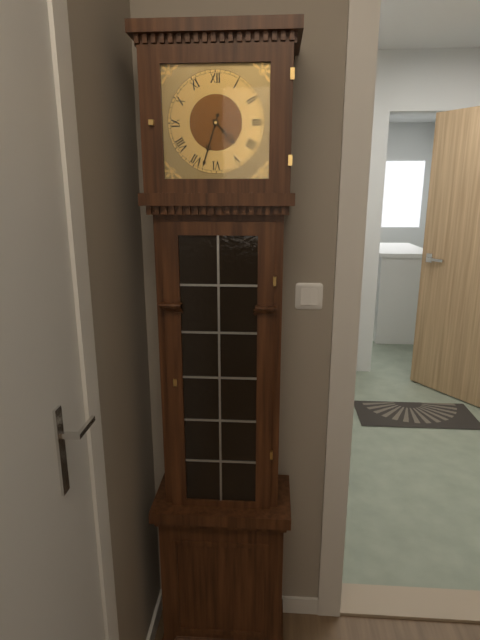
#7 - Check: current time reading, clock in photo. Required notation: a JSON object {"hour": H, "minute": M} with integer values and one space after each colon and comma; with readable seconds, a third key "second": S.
{"hour": 4, "minute": 33}
